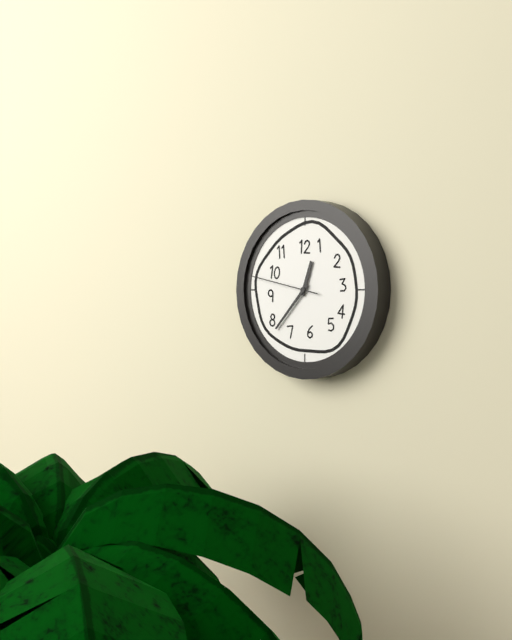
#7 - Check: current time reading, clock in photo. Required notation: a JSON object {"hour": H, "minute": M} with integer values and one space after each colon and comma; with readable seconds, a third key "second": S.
{"hour": 12, "minute": 37, "second": 47}
